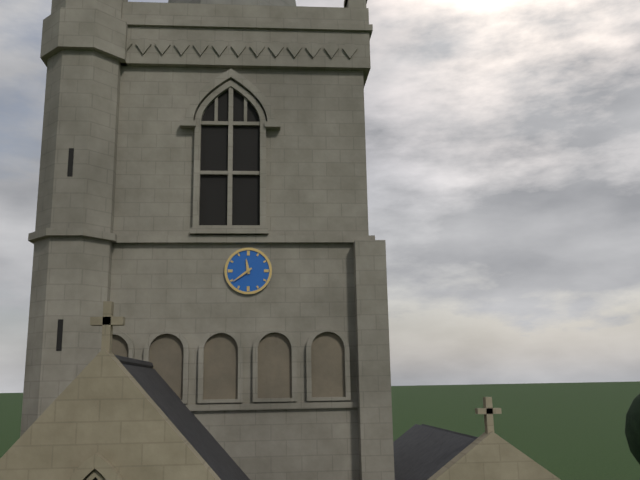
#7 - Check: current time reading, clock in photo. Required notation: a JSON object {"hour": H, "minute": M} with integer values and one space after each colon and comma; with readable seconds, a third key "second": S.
{"hour": 11, "minute": 39}
